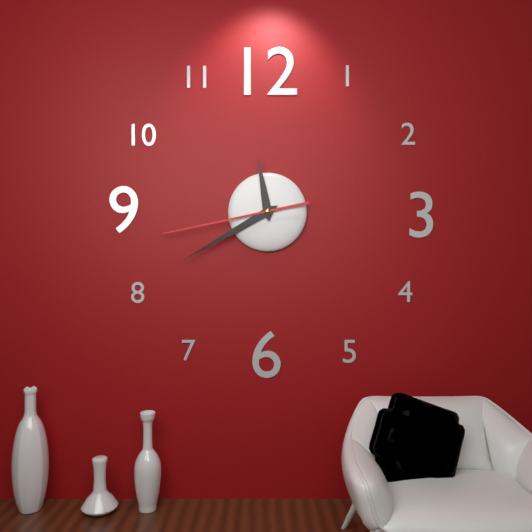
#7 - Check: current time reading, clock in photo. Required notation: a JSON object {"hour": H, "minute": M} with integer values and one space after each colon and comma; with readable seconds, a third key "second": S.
{"hour": 11, "minute": 40, "second": 43}
